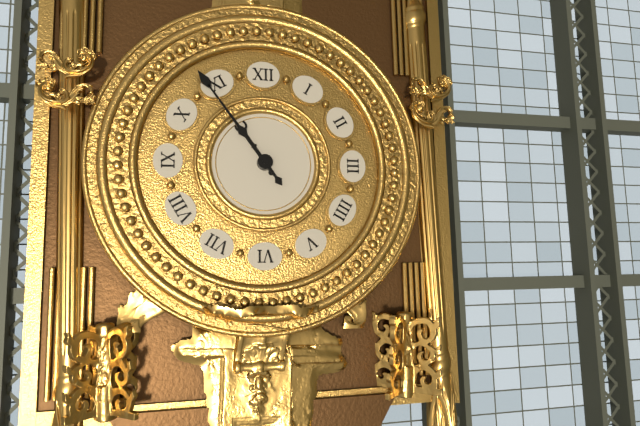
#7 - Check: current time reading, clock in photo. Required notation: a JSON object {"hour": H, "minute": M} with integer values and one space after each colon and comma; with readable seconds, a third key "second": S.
{"hour": 10, "minute": 54}
